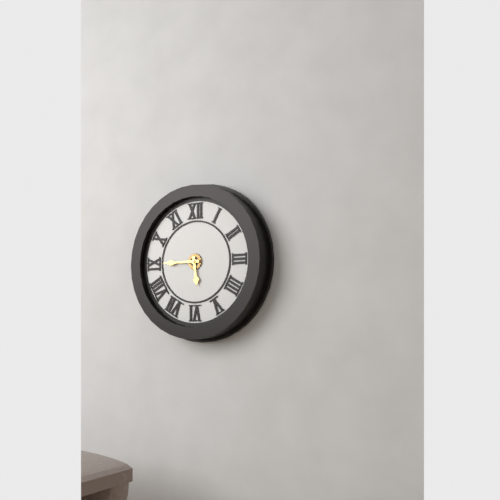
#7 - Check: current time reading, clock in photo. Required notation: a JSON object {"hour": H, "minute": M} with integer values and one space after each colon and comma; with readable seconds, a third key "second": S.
{"hour": 5, "minute": 45}
